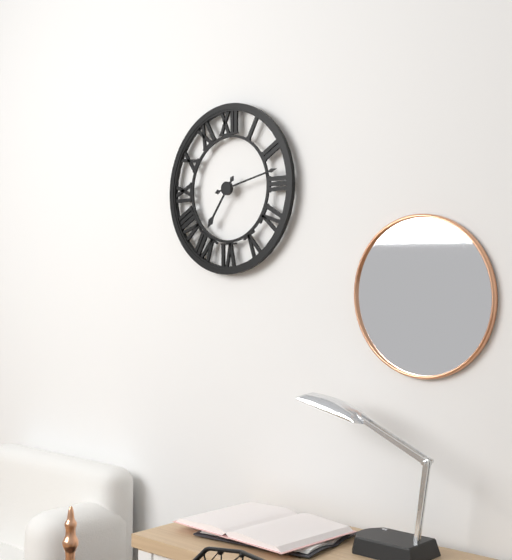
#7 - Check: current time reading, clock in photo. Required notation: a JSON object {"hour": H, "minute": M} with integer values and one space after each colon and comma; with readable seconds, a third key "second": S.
{"hour": 7, "minute": 13}
